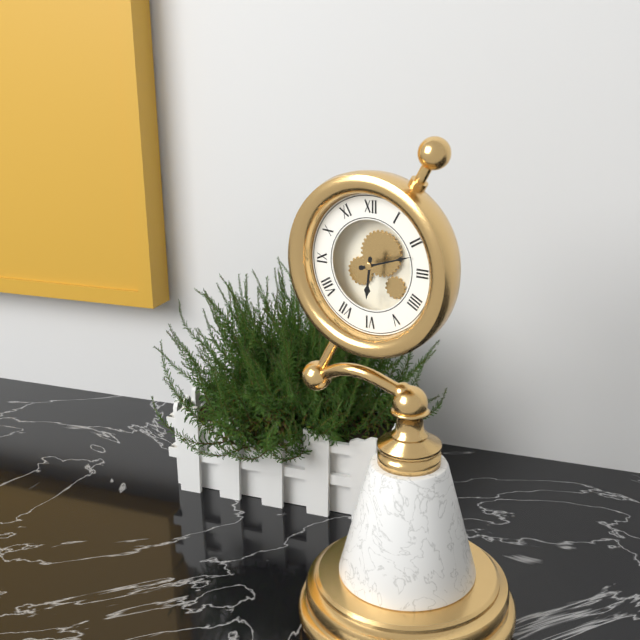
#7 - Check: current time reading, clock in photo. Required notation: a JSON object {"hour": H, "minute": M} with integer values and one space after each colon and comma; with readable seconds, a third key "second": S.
{"hour": 6, "minute": 12}
